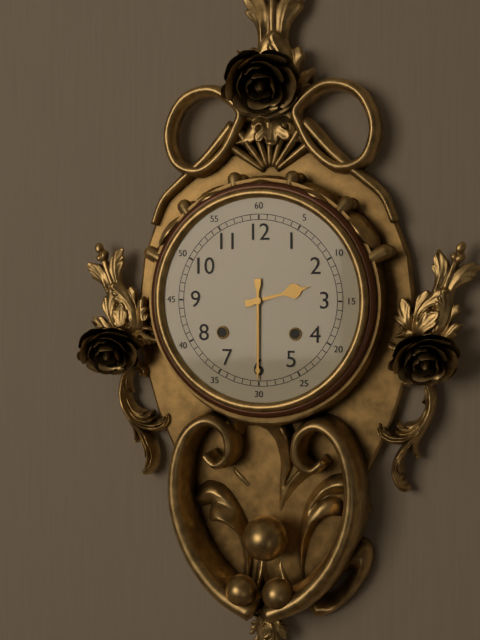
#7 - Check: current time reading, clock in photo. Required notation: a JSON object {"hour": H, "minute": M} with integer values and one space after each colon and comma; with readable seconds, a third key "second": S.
{"hour": 2, "minute": 30}
